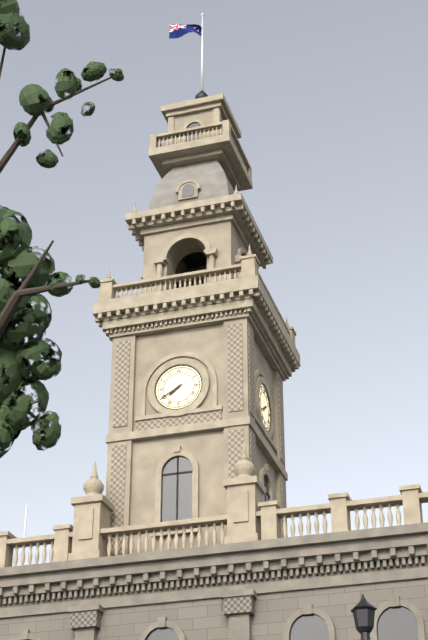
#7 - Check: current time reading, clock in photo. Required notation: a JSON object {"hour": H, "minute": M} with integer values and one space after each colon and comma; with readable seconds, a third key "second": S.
{"hour": 7, "minute": 40}
